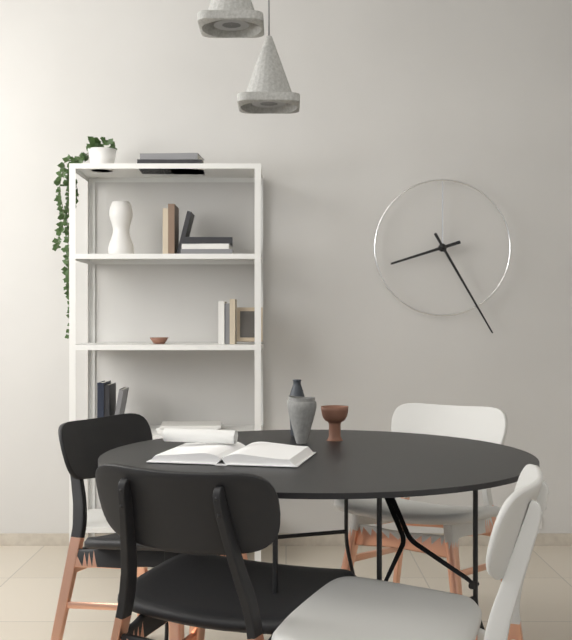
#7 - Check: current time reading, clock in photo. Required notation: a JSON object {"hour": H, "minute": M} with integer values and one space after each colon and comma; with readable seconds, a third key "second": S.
{"hour": 8, "minute": 25}
